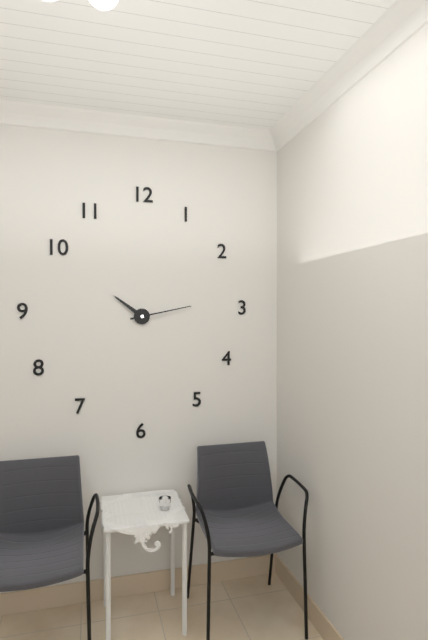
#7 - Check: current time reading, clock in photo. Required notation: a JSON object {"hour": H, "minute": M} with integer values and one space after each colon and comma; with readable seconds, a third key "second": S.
{"hour": 10, "minute": 13}
